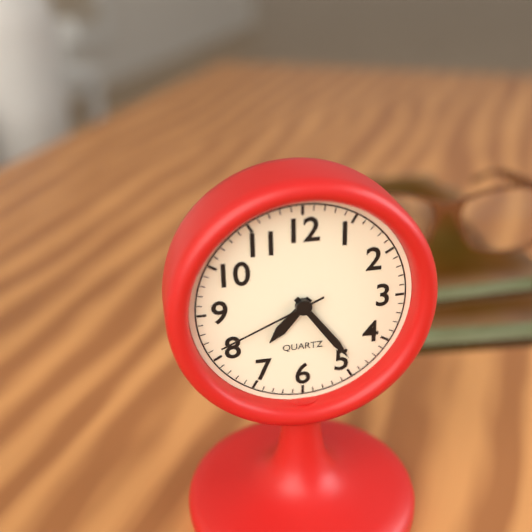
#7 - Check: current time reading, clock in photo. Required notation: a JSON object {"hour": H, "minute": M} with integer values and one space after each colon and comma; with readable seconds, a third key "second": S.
{"hour": 7, "minute": 24, "second": 41}
